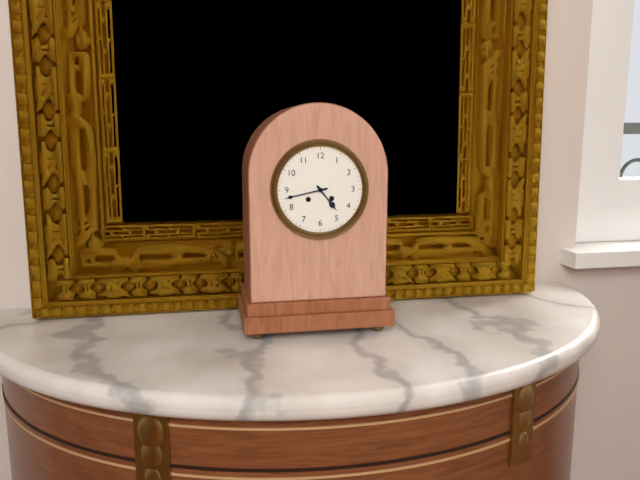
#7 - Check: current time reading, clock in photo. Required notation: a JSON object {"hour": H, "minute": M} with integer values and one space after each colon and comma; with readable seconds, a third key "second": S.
{"hour": 4, "minute": 43}
